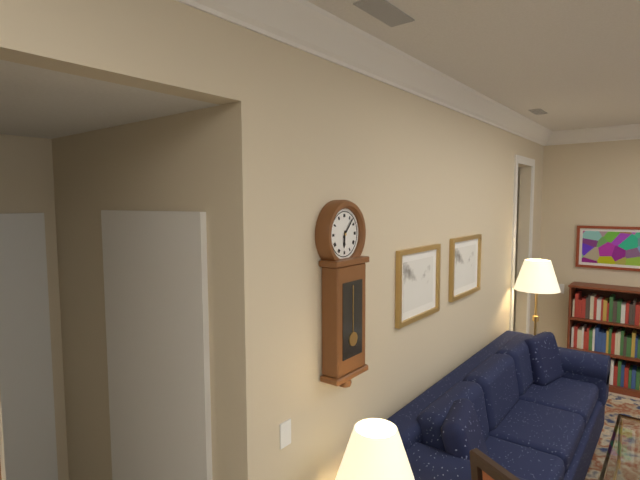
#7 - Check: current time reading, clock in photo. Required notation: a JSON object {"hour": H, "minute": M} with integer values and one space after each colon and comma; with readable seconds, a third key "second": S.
{"hour": 6, "minute": 7}
